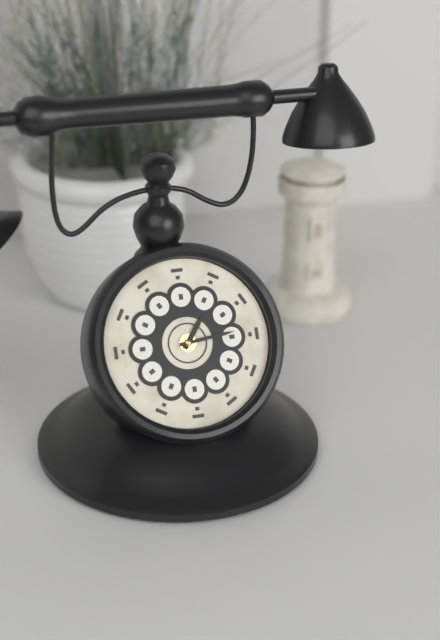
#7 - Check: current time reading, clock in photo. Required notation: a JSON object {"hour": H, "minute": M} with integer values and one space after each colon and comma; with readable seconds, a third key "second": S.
{"hour": 1, "minute": 14}
